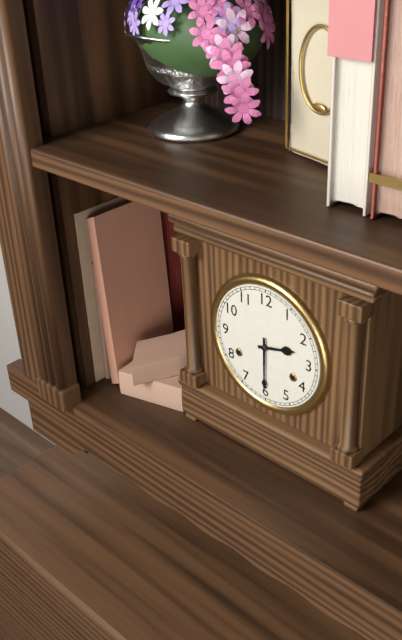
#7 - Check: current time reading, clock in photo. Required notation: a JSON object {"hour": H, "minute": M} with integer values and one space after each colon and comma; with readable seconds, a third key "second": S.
{"hour": 2, "minute": 30}
